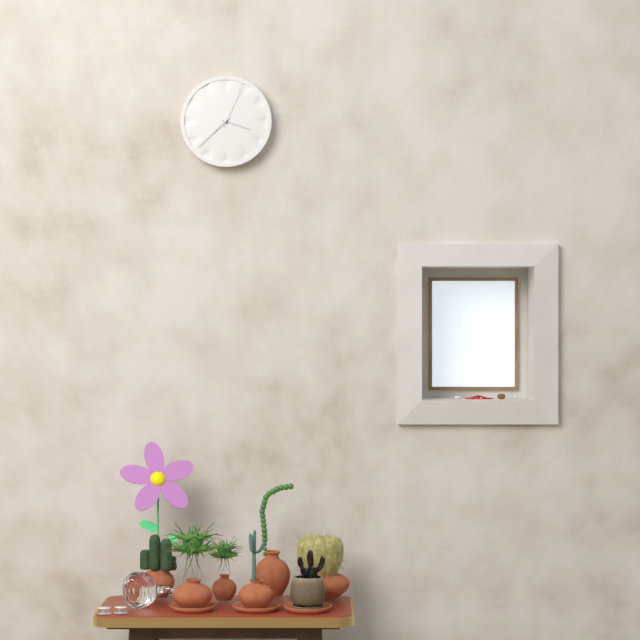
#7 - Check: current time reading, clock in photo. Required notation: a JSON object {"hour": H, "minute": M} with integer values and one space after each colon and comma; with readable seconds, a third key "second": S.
{"hour": 3, "minute": 38}
